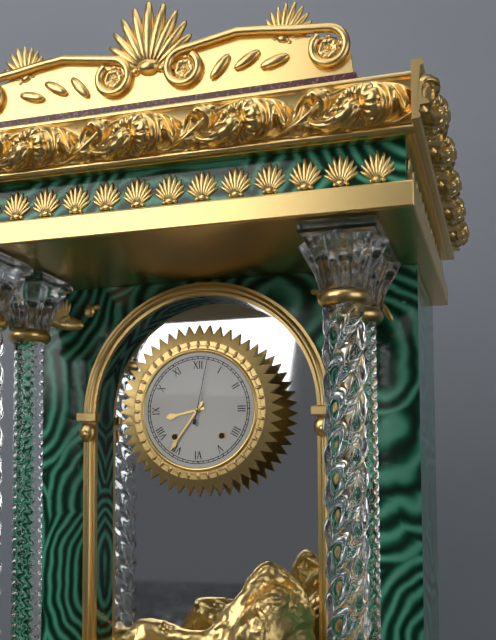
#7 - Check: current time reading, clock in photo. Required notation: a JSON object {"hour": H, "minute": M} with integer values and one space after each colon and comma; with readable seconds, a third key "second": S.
{"hour": 8, "minute": 36, "second": 2}
